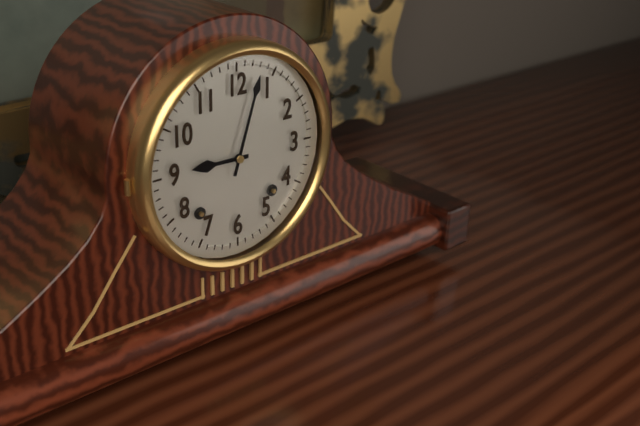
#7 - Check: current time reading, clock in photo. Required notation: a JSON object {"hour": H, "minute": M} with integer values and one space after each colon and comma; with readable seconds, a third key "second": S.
{"hour": 9, "minute": 3}
